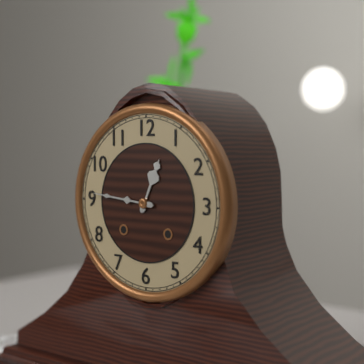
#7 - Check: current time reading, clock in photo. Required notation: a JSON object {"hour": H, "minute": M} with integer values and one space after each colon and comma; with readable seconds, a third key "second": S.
{"hour": 12, "minute": 46}
